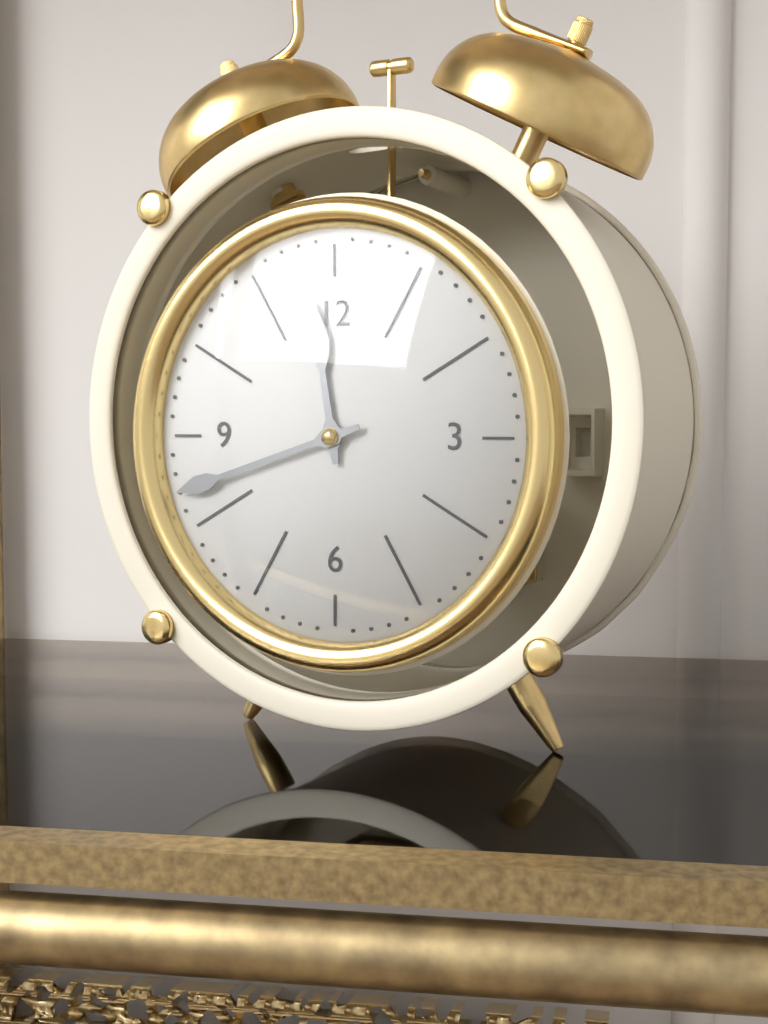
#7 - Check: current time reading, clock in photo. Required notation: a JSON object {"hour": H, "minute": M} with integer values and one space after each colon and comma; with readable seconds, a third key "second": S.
{"hour": 11, "minute": 42}
